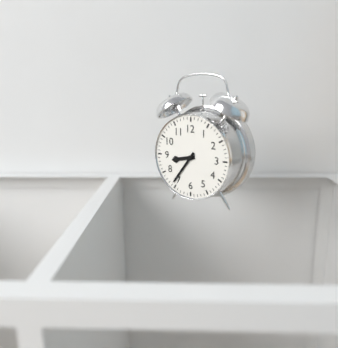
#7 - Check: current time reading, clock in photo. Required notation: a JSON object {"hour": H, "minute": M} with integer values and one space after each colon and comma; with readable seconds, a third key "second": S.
{"hour": 8, "minute": 36}
